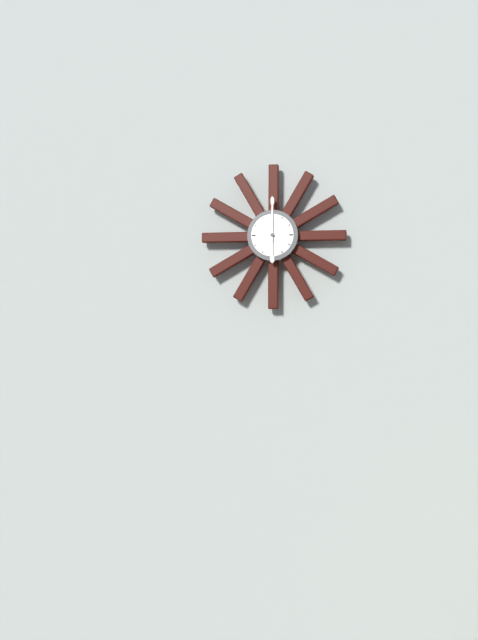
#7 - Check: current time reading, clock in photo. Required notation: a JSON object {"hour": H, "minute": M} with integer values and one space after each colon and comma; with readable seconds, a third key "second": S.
{"hour": 6, "minute": 0}
